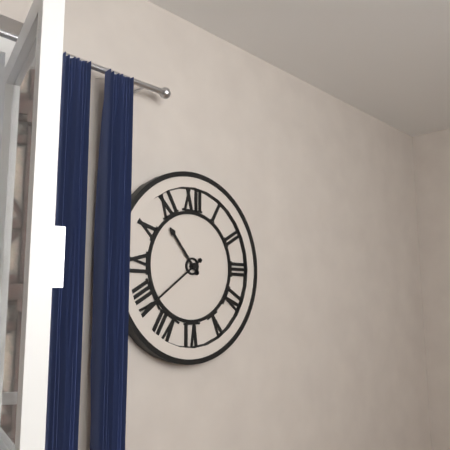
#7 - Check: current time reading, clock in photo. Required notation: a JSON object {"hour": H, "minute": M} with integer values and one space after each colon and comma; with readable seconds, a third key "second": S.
{"hour": 10, "minute": 39}
